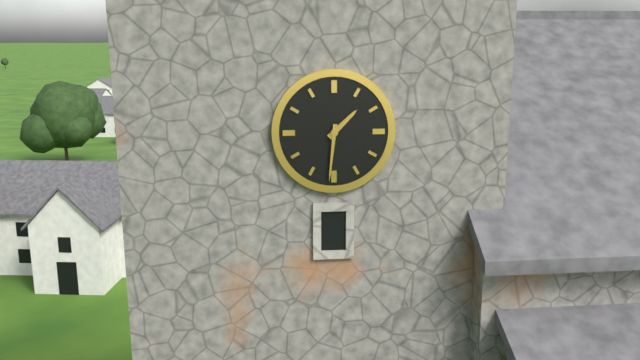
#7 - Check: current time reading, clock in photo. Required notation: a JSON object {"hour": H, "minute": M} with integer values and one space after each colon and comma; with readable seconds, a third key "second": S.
{"hour": 1, "minute": 31}
